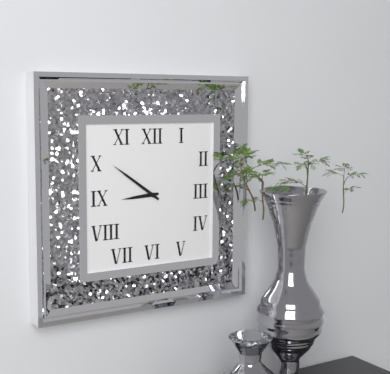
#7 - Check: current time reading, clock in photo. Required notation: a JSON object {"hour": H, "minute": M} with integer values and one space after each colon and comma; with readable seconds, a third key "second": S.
{"hour": 8, "minute": 51}
